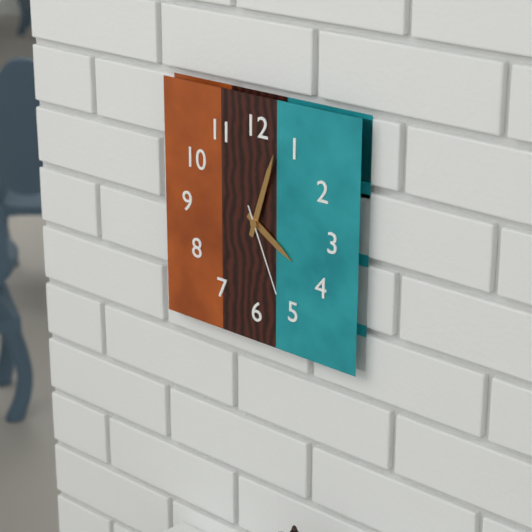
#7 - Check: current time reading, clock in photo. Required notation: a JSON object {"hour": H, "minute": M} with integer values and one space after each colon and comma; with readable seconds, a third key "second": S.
{"hour": 4, "minute": 3, "second": 26}
